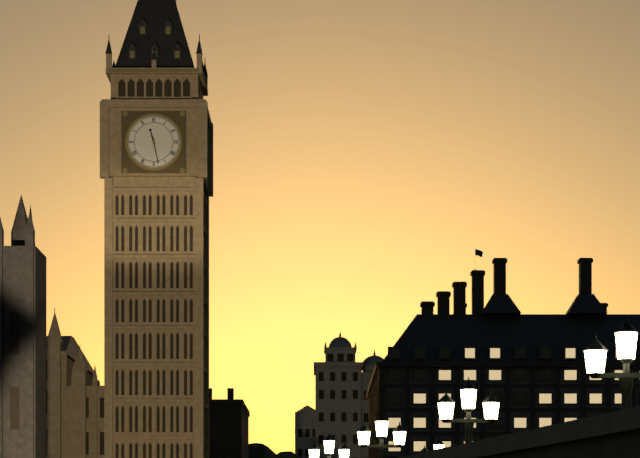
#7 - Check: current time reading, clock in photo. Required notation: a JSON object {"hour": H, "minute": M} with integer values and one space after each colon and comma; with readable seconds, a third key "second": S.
{"hour": 11, "minute": 28}
